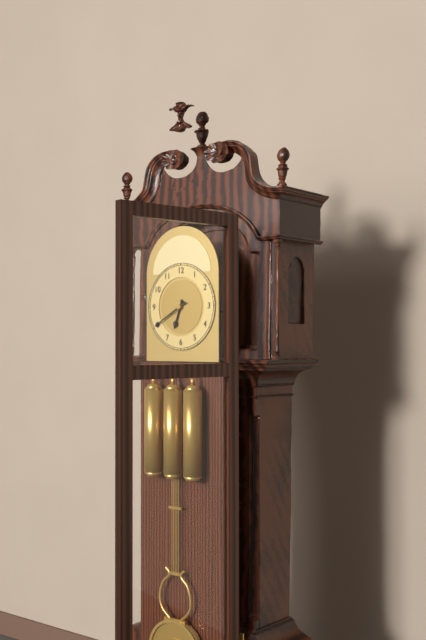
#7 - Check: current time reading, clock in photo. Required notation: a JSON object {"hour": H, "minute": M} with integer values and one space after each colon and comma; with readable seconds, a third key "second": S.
{"hour": 6, "minute": 40}
